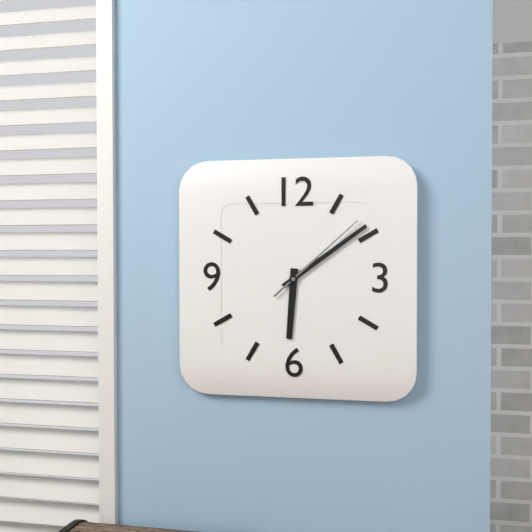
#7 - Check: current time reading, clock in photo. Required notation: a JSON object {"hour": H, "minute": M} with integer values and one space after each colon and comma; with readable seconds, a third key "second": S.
{"hour": 6, "minute": 9, "second": 8}
